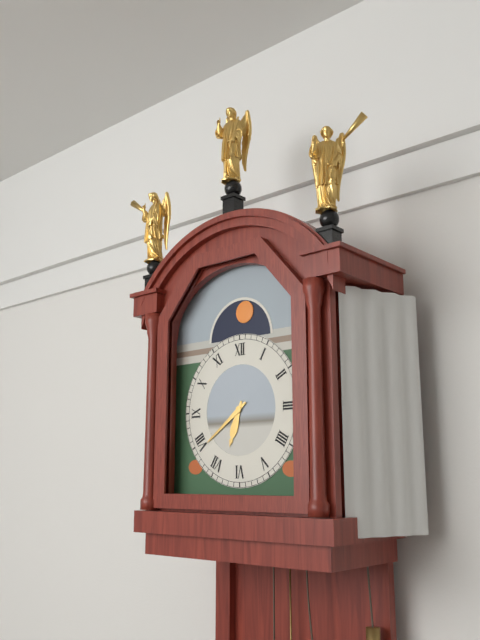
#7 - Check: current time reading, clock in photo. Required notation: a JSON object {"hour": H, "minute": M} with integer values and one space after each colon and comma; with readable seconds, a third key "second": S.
{"hour": 6, "minute": 39}
